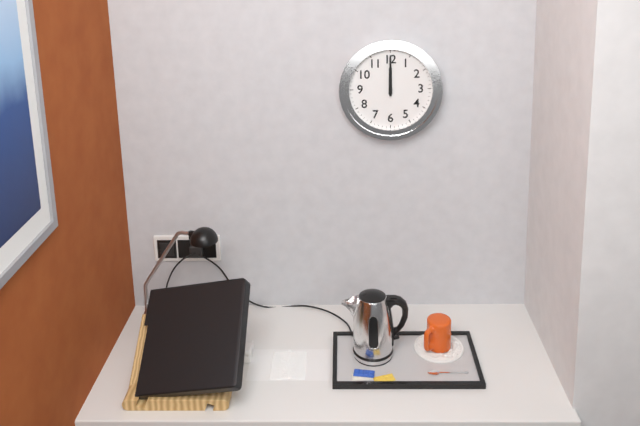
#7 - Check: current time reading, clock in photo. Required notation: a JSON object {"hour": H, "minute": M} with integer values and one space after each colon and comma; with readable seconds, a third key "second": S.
{"hour": 12, "minute": 0}
